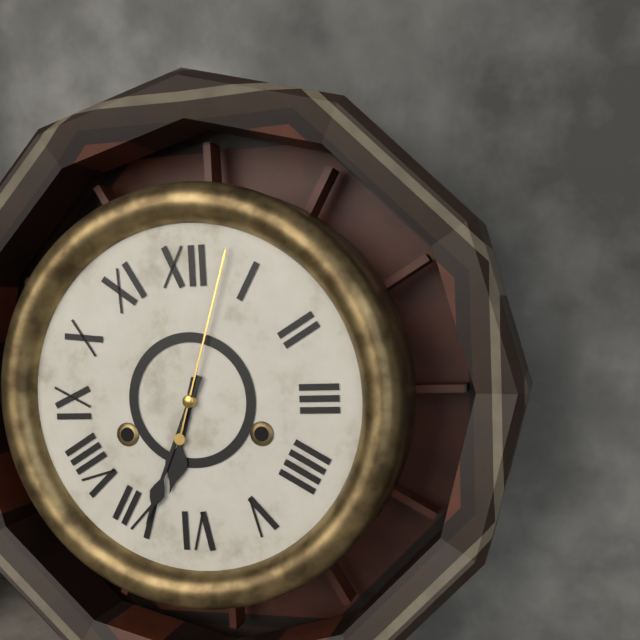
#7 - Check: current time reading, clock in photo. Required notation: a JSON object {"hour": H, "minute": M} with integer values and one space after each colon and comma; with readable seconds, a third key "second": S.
{"hour": 6, "minute": 34, "second": 3}
